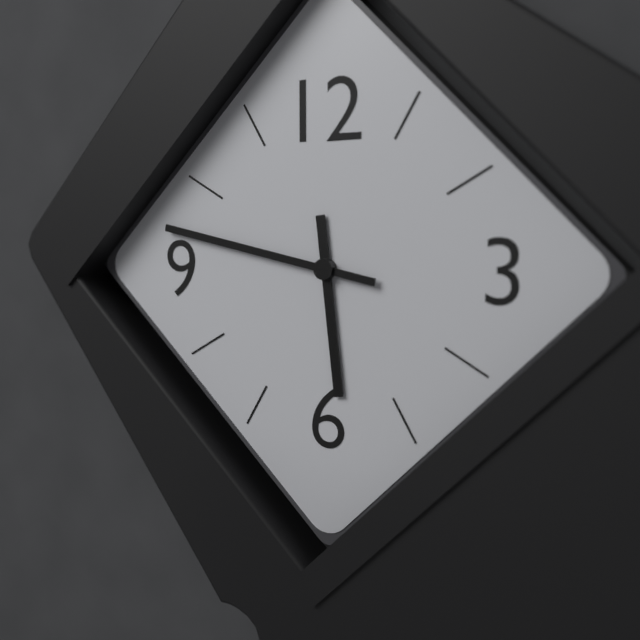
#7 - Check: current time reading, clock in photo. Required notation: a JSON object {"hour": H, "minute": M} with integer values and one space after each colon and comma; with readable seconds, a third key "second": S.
{"hour": 5, "minute": 47}
